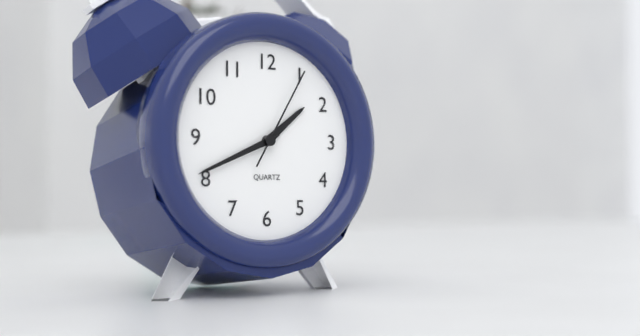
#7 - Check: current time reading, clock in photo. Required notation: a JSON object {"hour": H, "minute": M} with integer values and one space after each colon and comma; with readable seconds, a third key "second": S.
{"hour": 1, "minute": 41, "second": 5}
